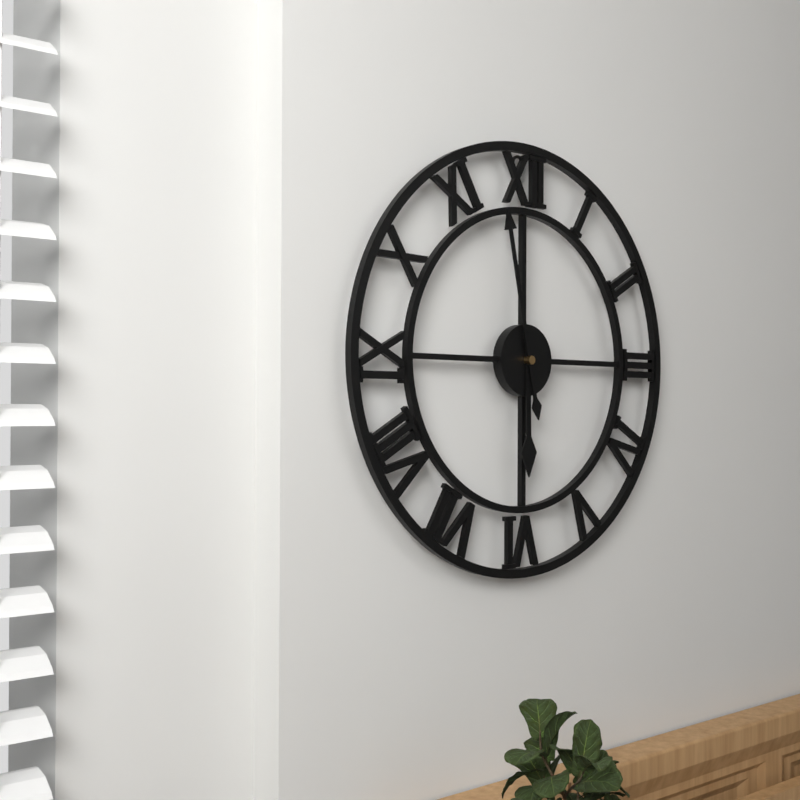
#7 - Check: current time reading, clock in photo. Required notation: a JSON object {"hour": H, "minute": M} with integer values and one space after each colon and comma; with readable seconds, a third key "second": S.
{"hour": 5, "minute": 58}
